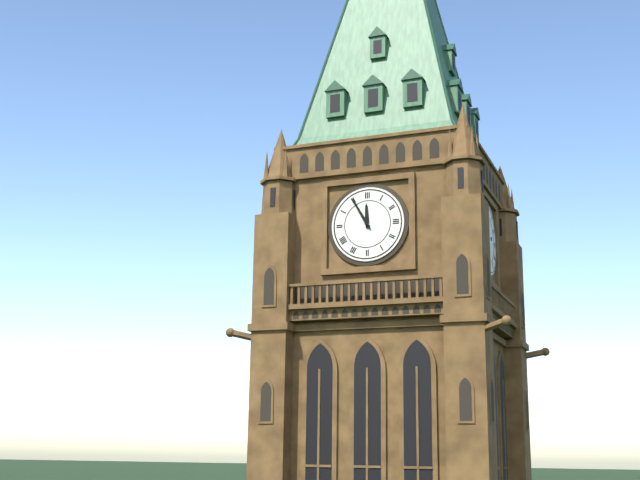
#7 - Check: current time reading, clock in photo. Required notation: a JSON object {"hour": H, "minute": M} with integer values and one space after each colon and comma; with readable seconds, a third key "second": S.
{"hour": 11, "minute": 55}
